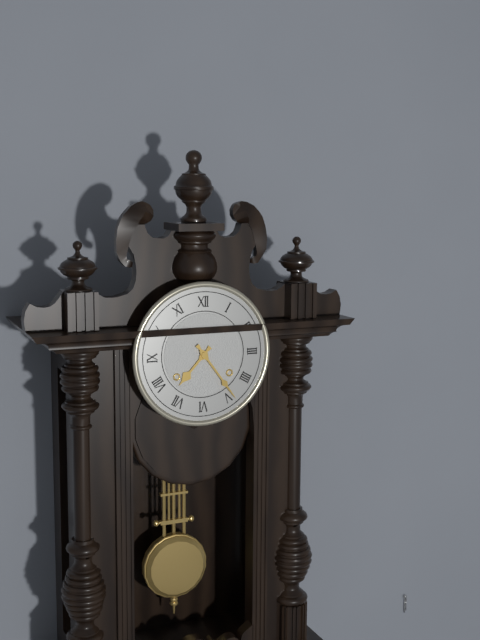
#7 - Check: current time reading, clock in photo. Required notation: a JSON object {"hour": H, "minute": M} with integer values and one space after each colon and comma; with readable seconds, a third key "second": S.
{"hour": 7, "minute": 24}
